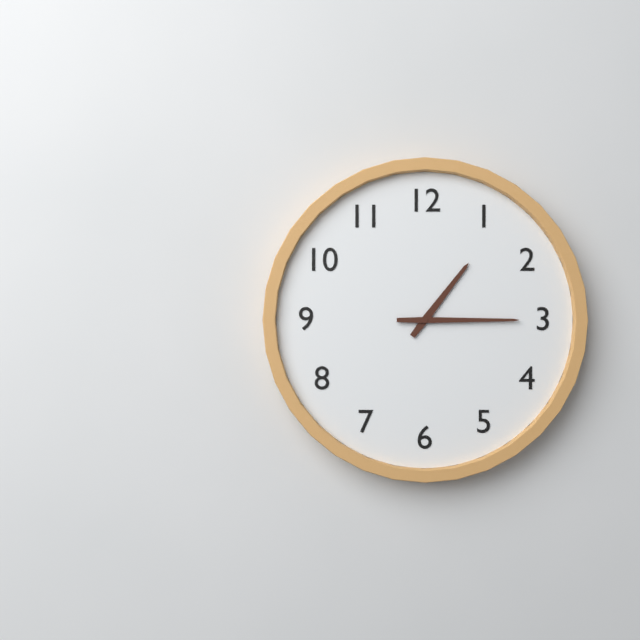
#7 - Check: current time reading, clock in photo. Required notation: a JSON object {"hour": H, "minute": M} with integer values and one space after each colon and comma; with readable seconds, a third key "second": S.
{"hour": 1, "minute": 15}
